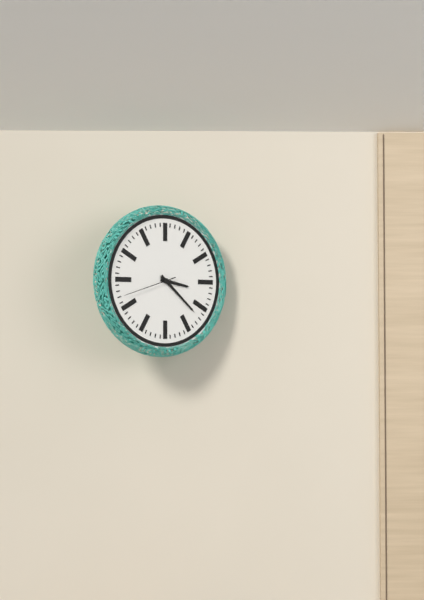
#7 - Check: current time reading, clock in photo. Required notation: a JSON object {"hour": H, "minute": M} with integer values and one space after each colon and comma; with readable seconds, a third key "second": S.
{"hour": 3, "minute": 22, "second": 42}
